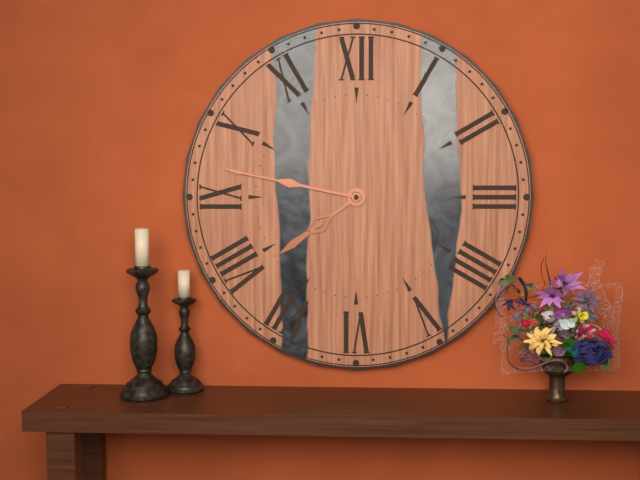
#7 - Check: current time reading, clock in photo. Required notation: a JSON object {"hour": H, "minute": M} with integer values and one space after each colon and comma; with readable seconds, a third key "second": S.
{"hour": 7, "minute": 47}
